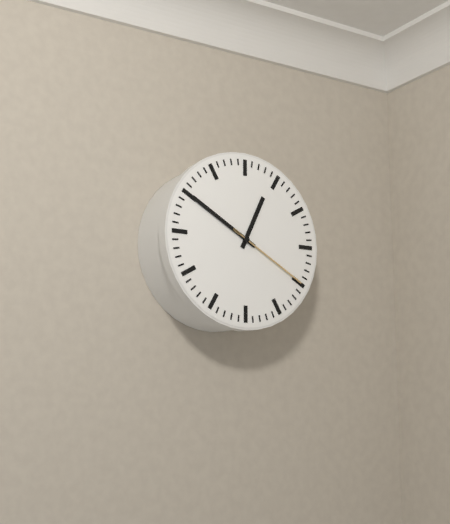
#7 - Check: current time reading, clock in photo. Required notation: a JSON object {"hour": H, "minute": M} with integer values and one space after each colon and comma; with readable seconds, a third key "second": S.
{"hour": 12, "minute": 50, "second": 20}
